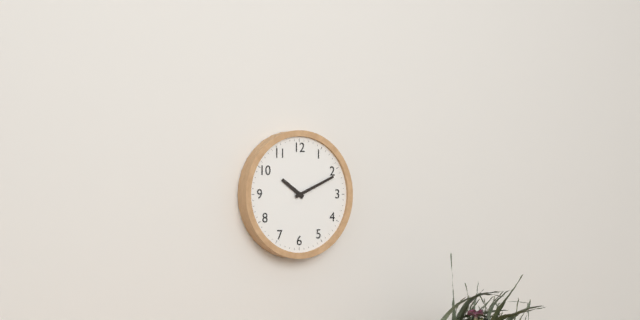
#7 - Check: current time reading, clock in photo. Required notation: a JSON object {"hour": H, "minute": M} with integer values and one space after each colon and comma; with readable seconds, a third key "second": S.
{"hour": 10, "minute": 11}
